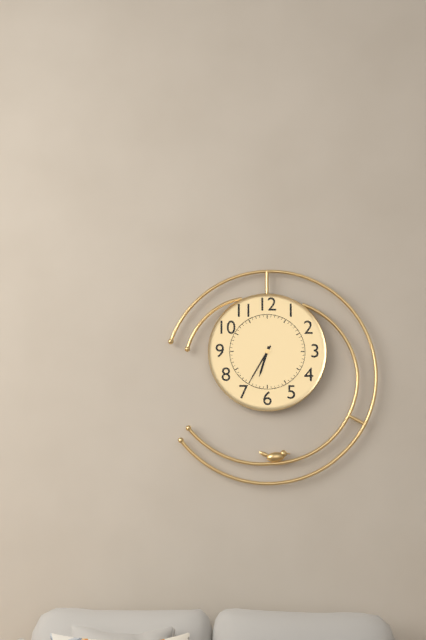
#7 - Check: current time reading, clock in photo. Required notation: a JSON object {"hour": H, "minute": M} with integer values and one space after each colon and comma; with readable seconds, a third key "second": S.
{"hour": 6, "minute": 35}
